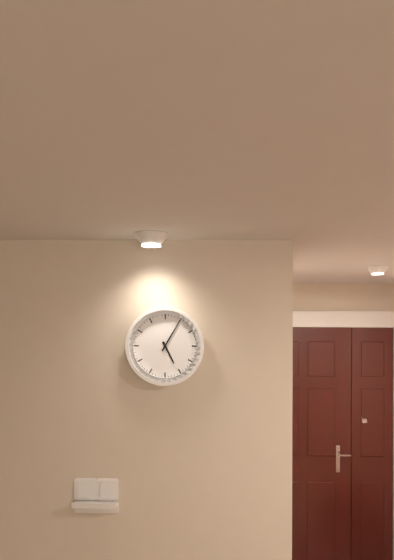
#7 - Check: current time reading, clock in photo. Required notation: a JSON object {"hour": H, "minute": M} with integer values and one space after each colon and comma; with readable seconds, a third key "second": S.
{"hour": 5, "minute": 5}
